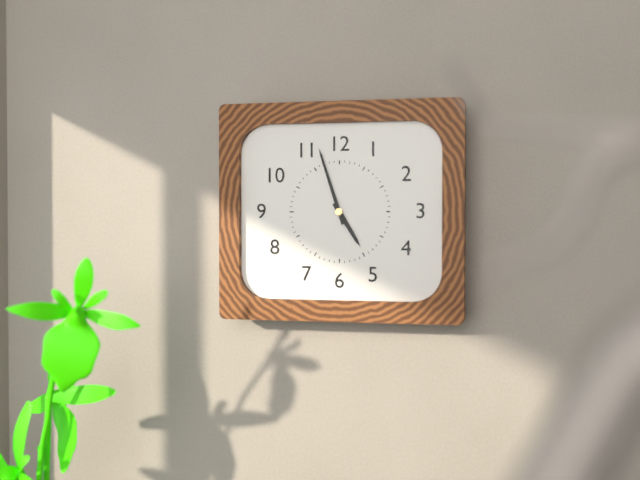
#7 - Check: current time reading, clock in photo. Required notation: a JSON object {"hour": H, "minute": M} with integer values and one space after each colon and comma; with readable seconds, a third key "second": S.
{"hour": 4, "minute": 57}
